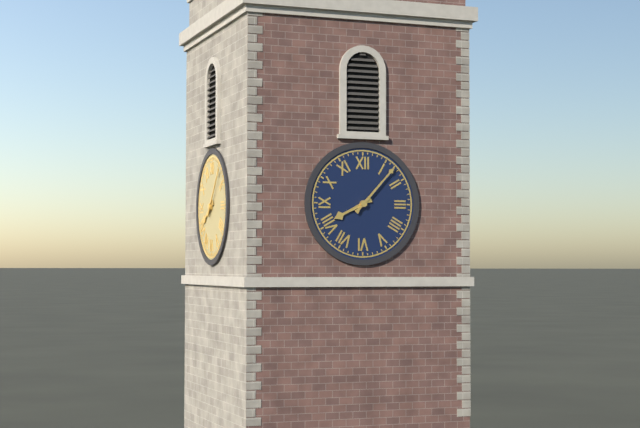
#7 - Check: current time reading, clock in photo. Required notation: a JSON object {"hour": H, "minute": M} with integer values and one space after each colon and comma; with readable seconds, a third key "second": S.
{"hour": 8, "minute": 7}
